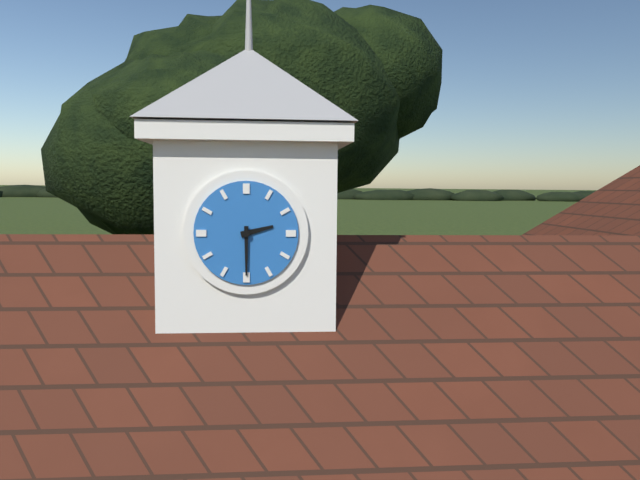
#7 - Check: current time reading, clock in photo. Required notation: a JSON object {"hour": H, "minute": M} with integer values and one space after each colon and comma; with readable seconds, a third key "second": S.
{"hour": 2, "minute": 30}
